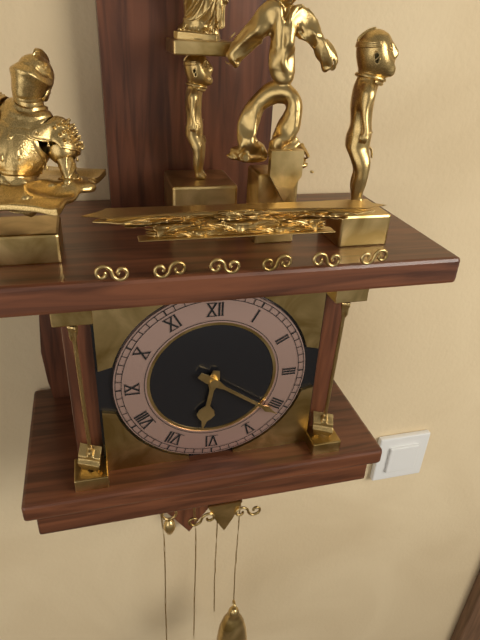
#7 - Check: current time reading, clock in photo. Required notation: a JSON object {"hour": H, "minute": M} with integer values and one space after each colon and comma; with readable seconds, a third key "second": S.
{"hour": 6, "minute": 21}
